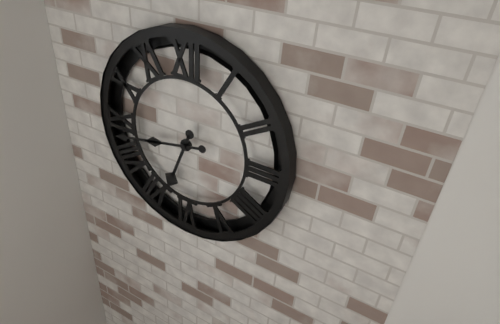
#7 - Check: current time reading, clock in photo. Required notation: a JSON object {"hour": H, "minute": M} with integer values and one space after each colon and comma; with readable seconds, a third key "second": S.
{"hour": 6, "minute": 43}
